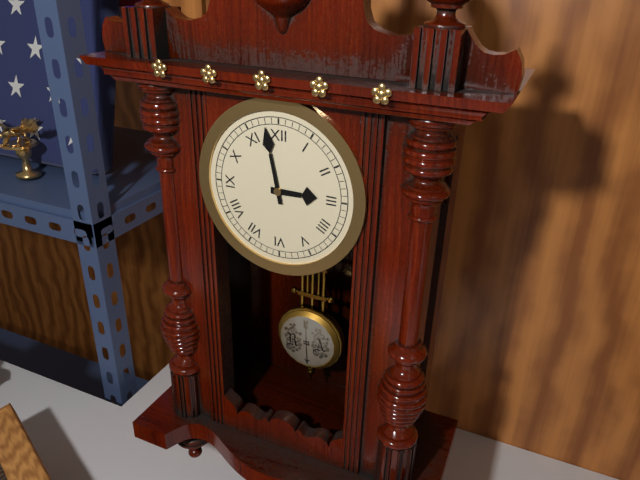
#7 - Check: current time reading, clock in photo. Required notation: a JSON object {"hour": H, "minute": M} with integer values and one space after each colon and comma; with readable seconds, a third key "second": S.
{"hour": 2, "minute": 58}
